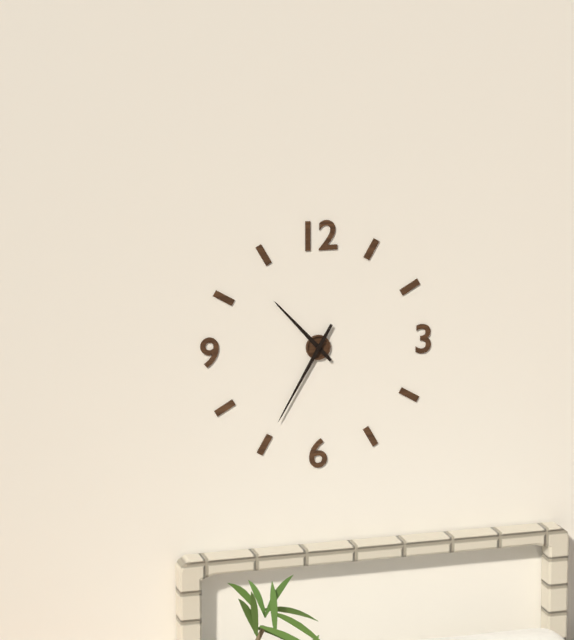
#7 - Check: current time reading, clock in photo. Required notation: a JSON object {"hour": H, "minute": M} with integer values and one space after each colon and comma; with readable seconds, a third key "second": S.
{"hour": 10, "minute": 35}
